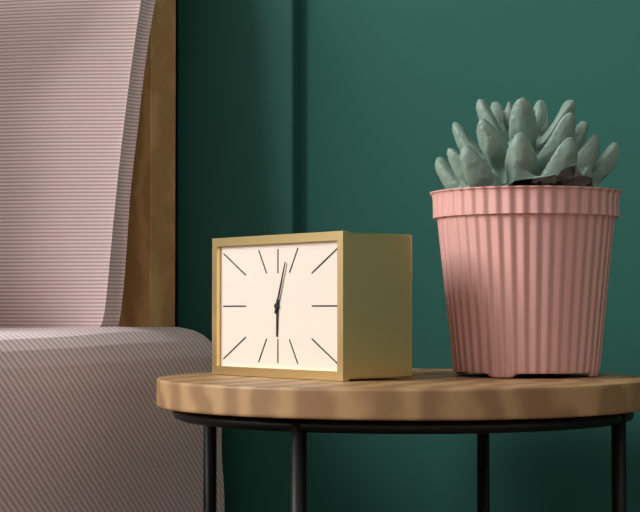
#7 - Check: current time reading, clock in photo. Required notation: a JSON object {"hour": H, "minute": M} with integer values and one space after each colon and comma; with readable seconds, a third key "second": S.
{"hour": 6, "minute": 3}
